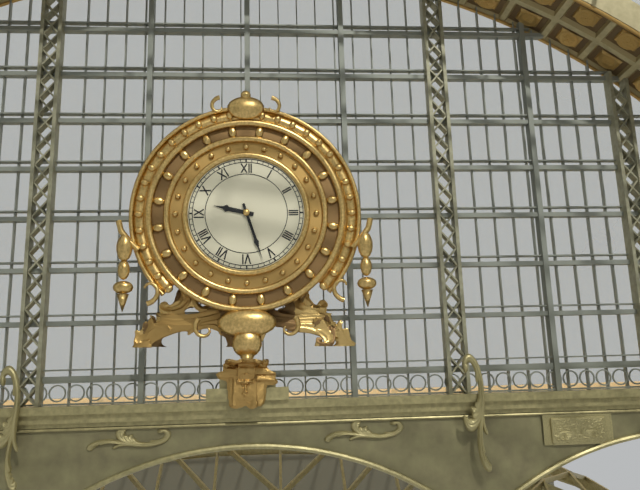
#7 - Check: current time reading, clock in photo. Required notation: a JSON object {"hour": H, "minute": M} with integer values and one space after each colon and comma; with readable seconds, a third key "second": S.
{"hour": 9, "minute": 27}
